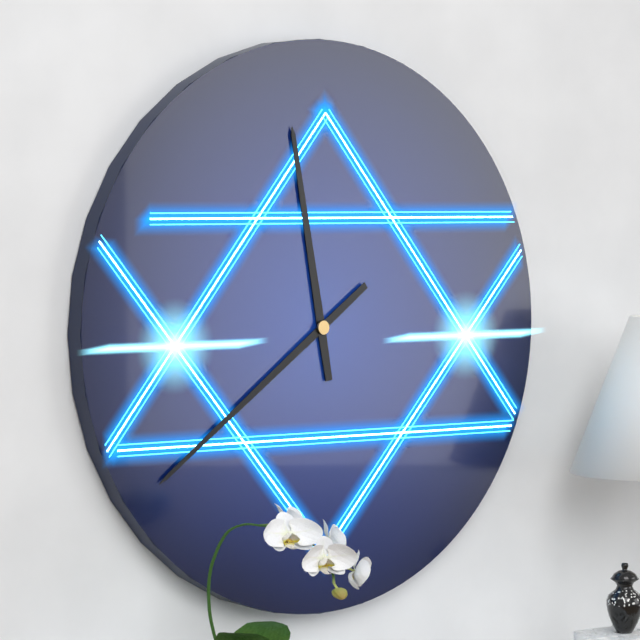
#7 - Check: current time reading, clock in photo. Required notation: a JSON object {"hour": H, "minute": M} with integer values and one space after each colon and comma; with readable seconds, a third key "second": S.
{"hour": 11, "minute": 39}
